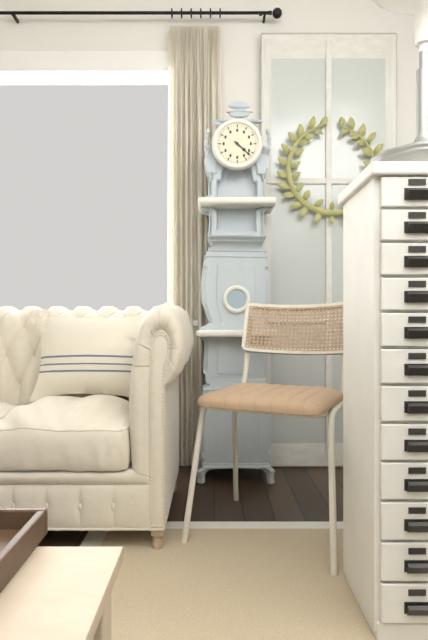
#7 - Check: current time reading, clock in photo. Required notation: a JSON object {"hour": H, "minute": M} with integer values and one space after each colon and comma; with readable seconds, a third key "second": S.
{"hour": 4, "minute": 22}
